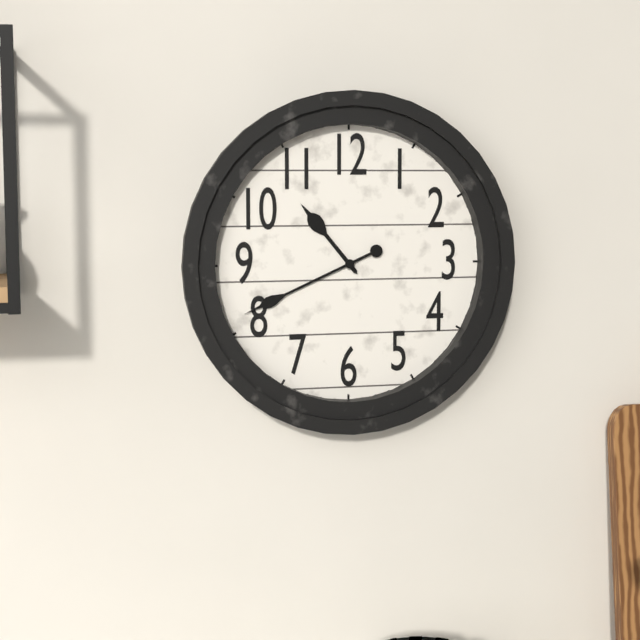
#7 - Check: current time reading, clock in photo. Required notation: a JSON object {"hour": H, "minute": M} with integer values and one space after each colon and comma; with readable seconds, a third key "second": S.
{"hour": 10, "minute": 41}
